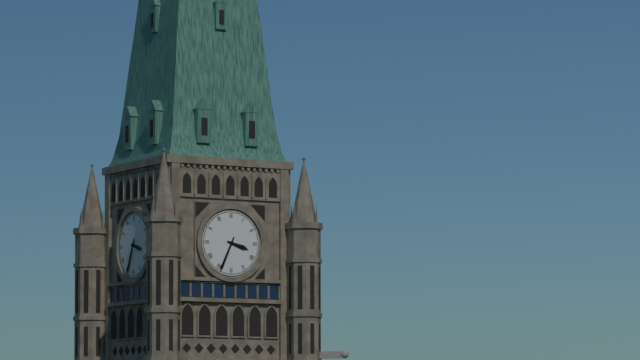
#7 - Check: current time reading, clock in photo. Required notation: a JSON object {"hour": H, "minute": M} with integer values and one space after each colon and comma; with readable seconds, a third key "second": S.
{"hour": 3, "minute": 34}
